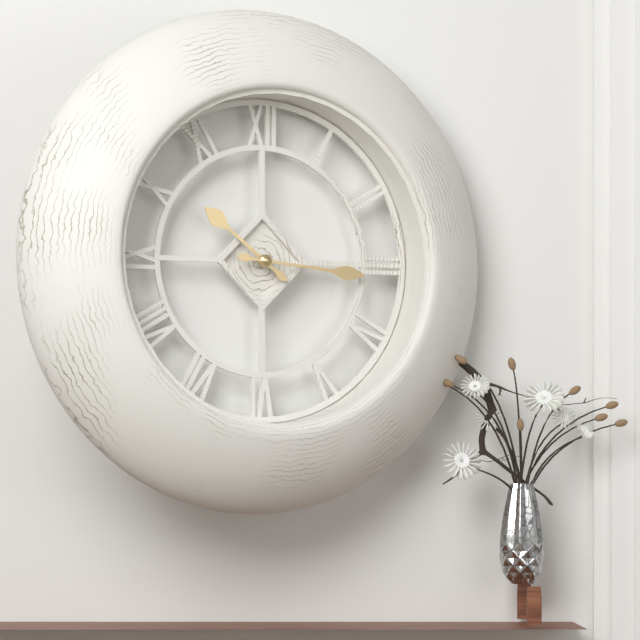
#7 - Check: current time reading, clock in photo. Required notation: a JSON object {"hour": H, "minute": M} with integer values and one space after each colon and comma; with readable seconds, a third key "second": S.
{"hour": 10, "minute": 16}
